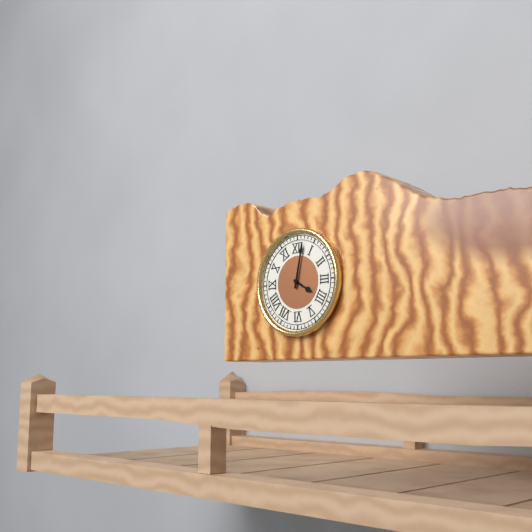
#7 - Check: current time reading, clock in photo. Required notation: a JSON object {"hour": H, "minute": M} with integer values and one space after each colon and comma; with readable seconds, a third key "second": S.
{"hour": 4, "minute": 2}
